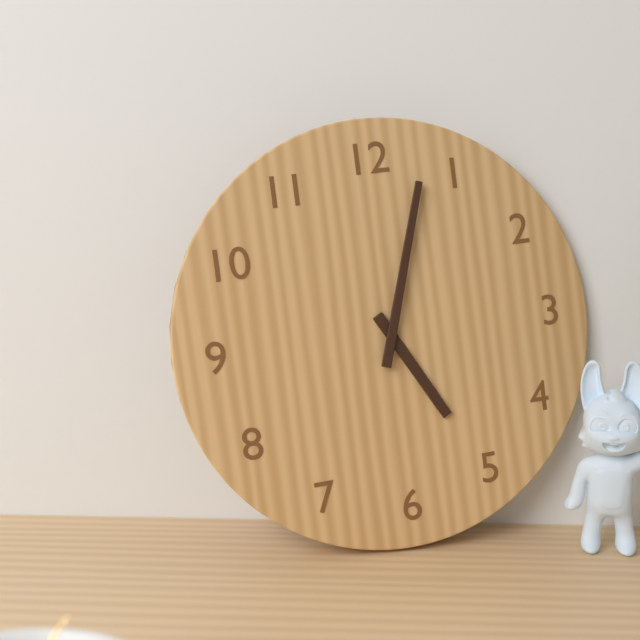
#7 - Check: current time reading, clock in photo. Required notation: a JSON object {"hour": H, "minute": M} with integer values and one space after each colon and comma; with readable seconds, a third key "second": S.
{"hour": 5, "minute": 3}
